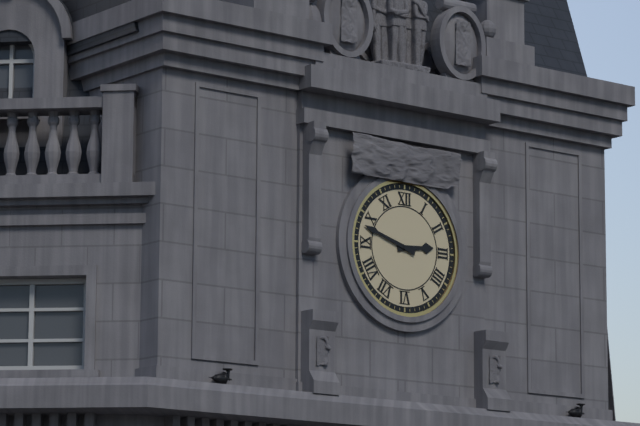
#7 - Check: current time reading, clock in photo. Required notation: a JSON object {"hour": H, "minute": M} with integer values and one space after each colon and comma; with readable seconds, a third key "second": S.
{"hour": 2, "minute": 48}
